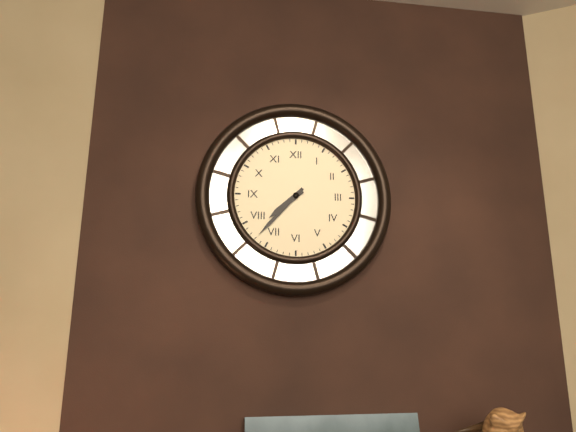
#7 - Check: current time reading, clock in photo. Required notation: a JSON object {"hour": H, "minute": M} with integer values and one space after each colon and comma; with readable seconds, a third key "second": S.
{"hour": 7, "minute": 37}
